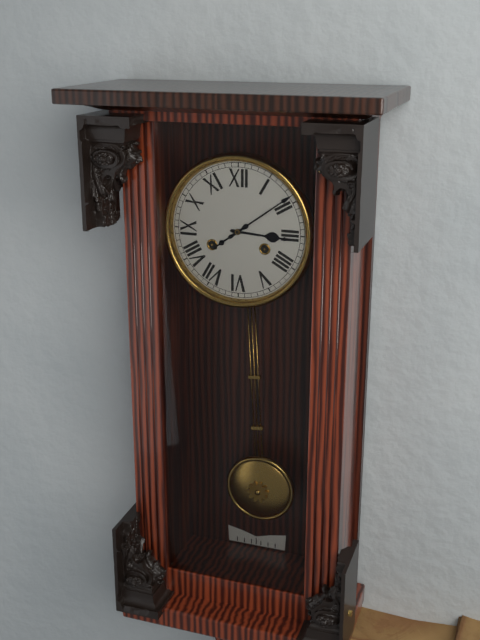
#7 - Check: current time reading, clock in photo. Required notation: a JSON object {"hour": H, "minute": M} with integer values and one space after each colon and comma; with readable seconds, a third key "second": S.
{"hour": 3, "minute": 9}
